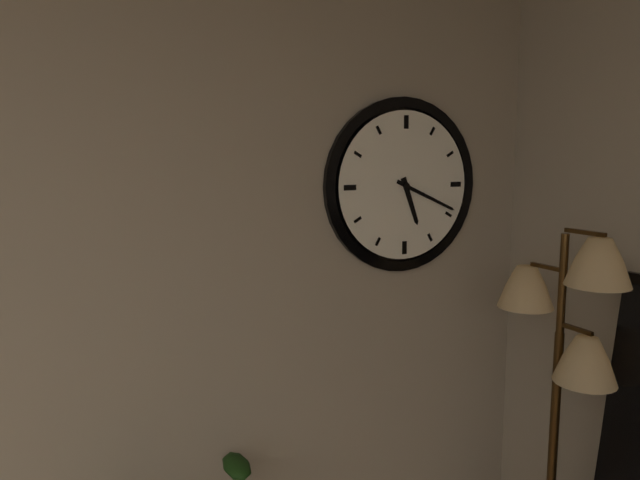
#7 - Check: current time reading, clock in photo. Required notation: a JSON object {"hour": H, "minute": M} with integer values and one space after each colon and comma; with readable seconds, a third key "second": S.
{"hour": 5, "minute": 19}
